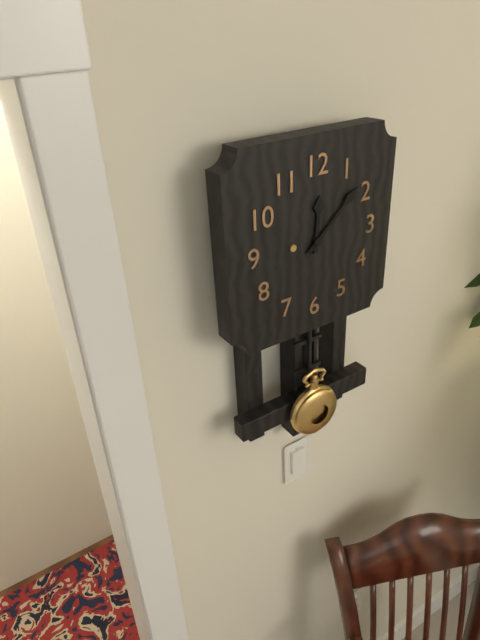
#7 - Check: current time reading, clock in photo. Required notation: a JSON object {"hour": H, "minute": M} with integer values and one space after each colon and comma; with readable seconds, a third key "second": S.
{"hour": 12, "minute": 8}
